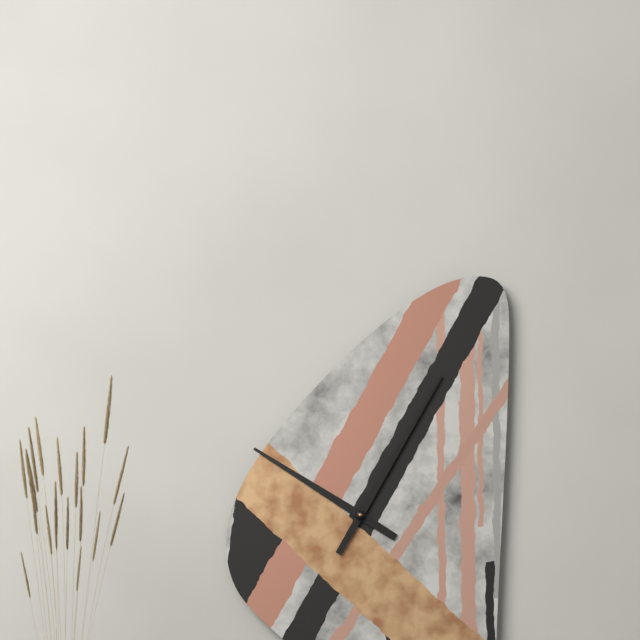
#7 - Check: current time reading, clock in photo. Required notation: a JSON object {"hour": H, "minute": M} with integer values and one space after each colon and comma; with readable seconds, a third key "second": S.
{"hour": 10, "minute": 5}
